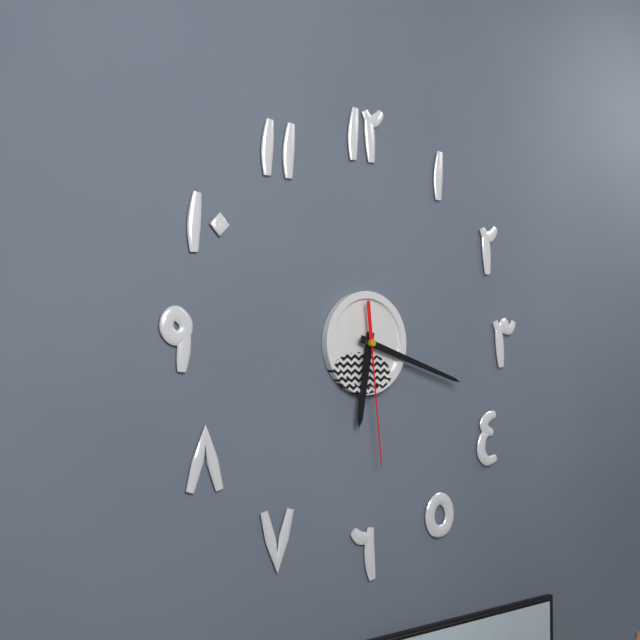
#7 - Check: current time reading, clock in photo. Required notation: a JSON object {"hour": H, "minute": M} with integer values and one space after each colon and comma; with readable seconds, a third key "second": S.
{"hour": 6, "minute": 18, "second": 29}
